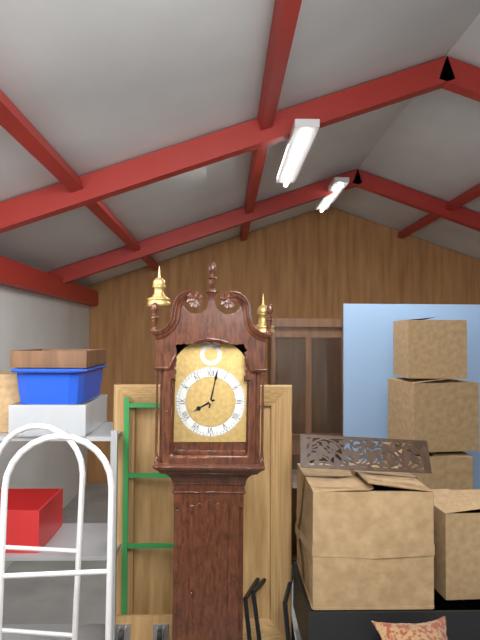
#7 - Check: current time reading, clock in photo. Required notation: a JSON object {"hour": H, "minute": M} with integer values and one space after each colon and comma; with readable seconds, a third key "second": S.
{"hour": 8, "minute": 2}
